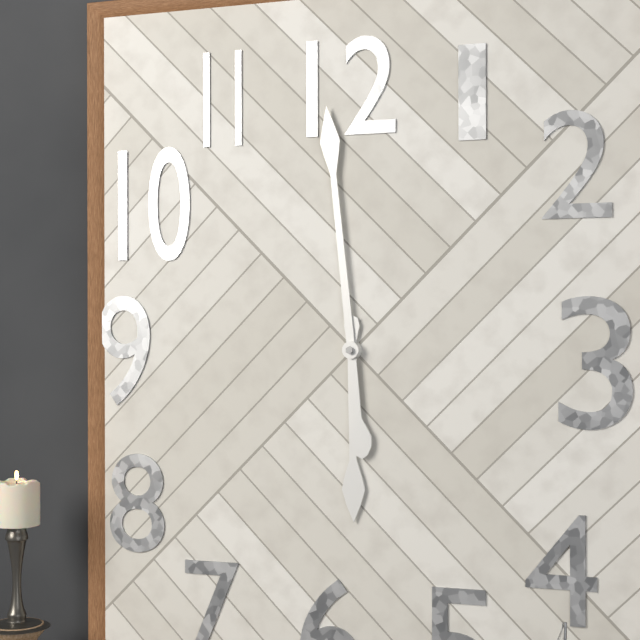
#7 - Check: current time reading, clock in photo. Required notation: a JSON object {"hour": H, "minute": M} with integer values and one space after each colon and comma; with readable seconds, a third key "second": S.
{"hour": 5, "minute": 59}
